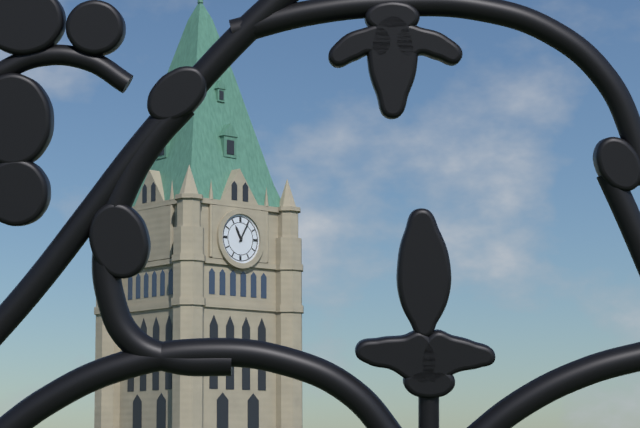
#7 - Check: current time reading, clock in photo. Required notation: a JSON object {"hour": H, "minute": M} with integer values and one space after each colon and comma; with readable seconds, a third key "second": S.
{"hour": 11, "minute": 5}
